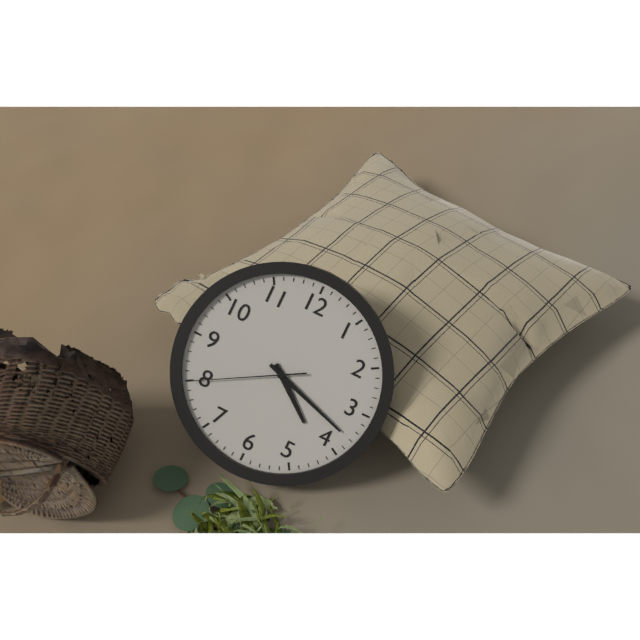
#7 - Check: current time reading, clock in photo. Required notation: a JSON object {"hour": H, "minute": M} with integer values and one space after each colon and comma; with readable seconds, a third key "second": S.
{"hour": 4, "minute": 18, "second": 40}
